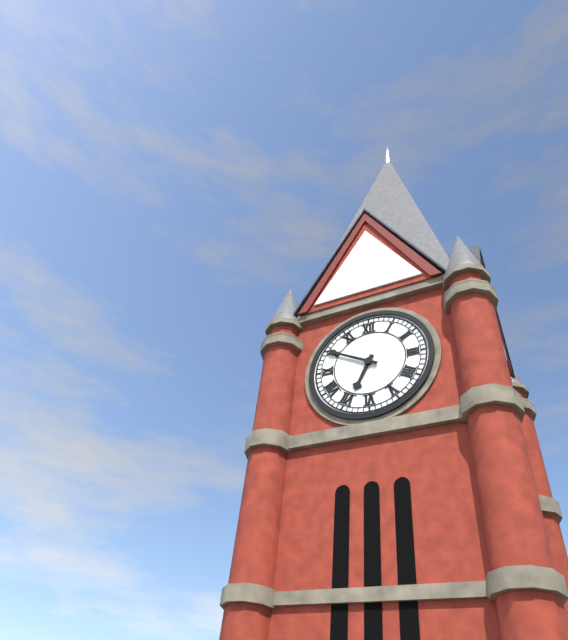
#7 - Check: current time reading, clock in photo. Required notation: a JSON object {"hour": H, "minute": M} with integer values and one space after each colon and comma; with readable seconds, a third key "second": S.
{"hour": 6, "minute": 50}
